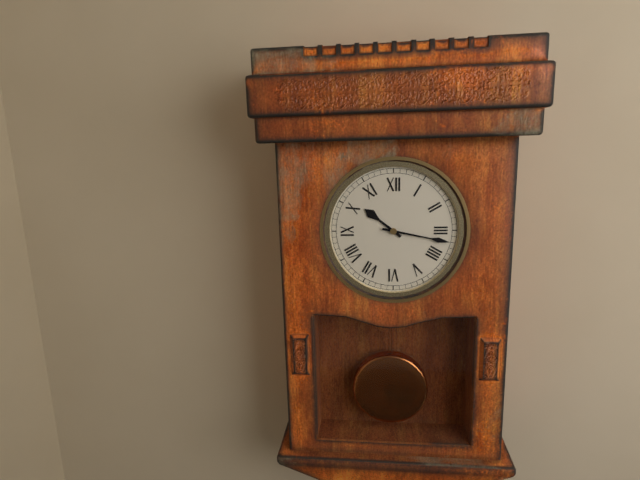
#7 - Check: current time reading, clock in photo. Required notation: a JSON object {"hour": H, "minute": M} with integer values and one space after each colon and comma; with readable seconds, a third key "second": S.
{"hour": 10, "minute": 17}
